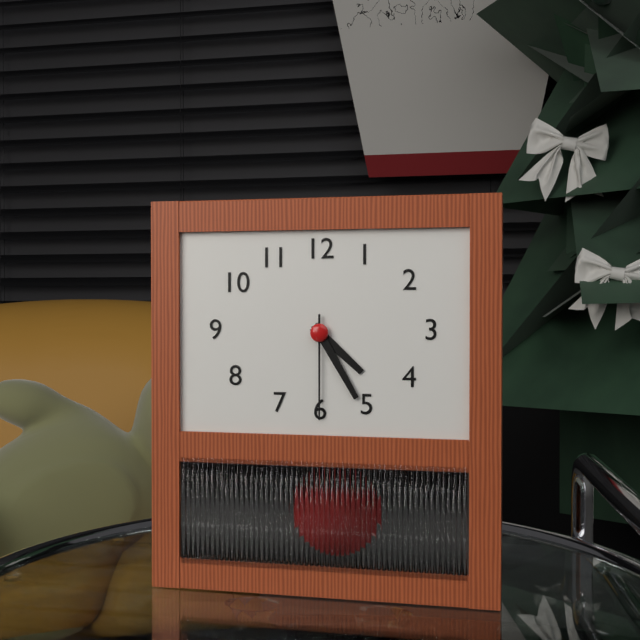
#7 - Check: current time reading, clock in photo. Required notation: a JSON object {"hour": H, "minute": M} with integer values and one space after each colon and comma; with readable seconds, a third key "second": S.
{"hour": 4, "minute": 25, "second": 30}
